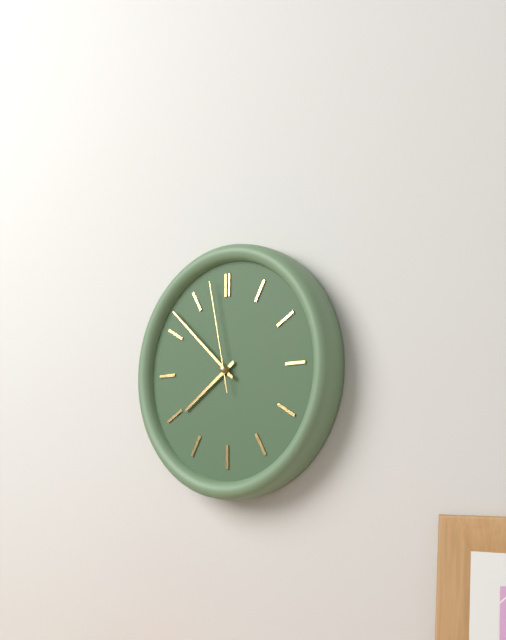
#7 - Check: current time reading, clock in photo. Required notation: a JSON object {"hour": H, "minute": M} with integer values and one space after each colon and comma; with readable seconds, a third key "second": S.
{"hour": 7, "minute": 52, "second": 58}
